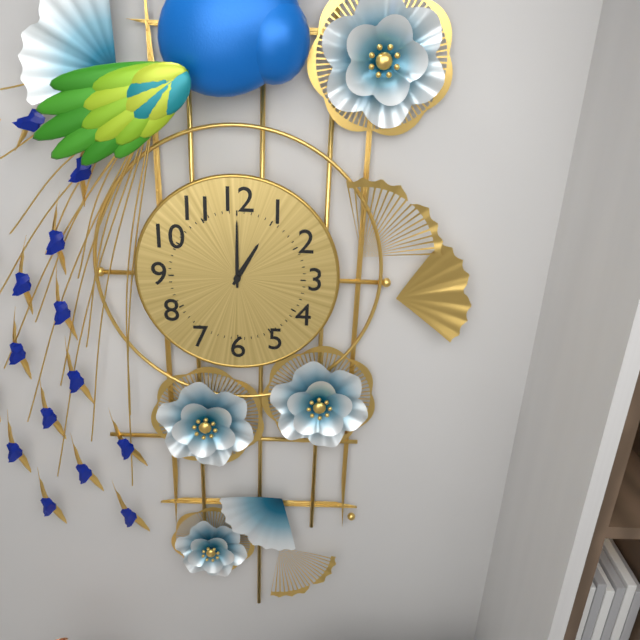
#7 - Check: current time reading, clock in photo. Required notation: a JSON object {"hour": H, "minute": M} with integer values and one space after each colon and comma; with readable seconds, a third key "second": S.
{"hour": 1, "minute": 0}
